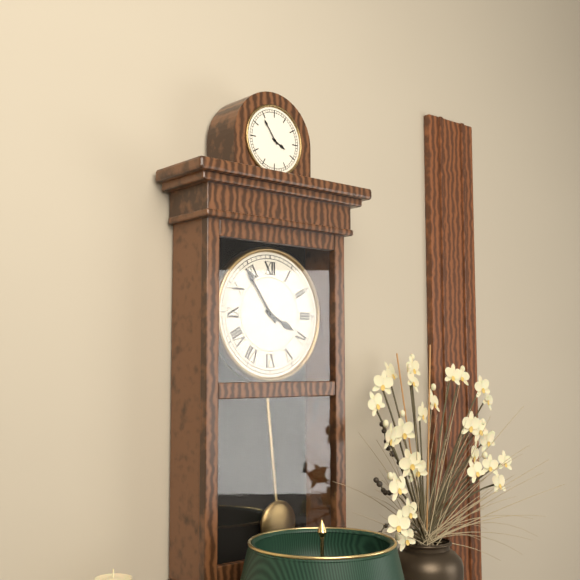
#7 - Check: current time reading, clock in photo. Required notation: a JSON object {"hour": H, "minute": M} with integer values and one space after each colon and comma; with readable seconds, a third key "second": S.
{"hour": 3, "minute": 54}
